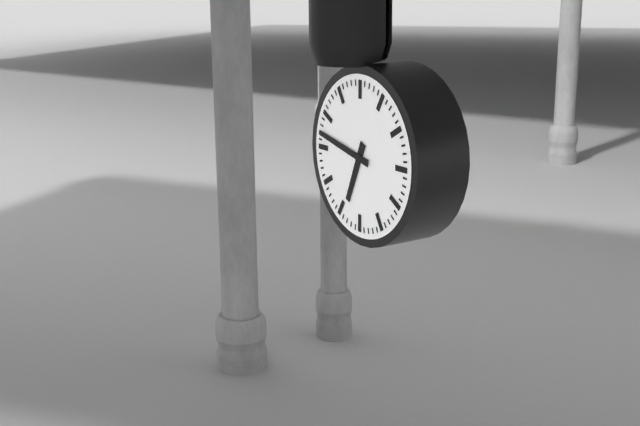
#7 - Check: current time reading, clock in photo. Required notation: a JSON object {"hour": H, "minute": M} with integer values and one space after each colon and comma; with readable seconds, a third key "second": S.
{"hour": 6, "minute": 47}
